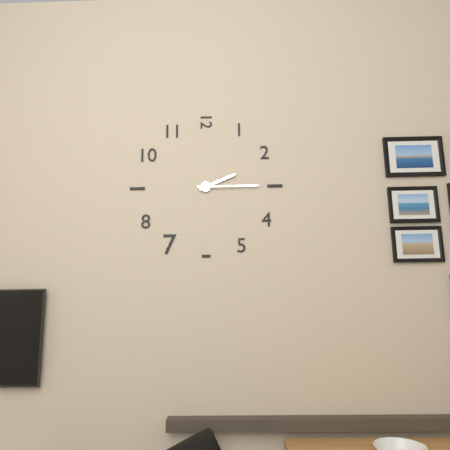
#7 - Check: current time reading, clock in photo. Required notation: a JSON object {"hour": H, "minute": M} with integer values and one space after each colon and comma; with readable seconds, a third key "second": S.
{"hour": 2, "minute": 15}
